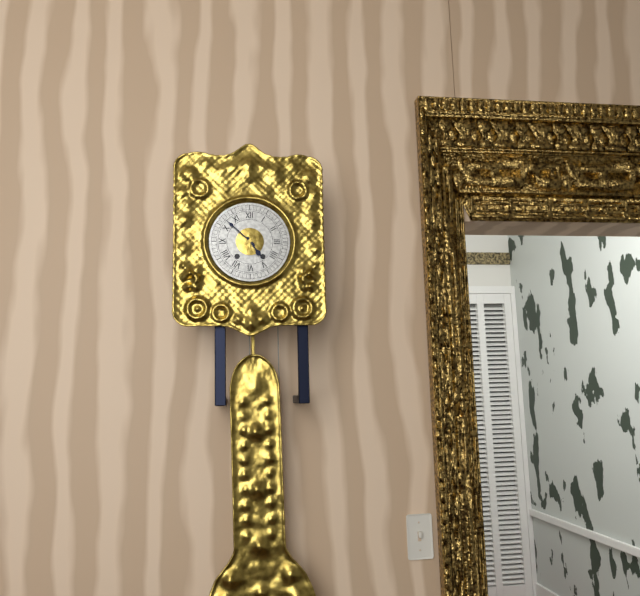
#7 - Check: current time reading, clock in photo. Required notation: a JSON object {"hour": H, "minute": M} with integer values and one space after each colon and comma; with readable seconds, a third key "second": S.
{"hour": 4, "minute": 52}
